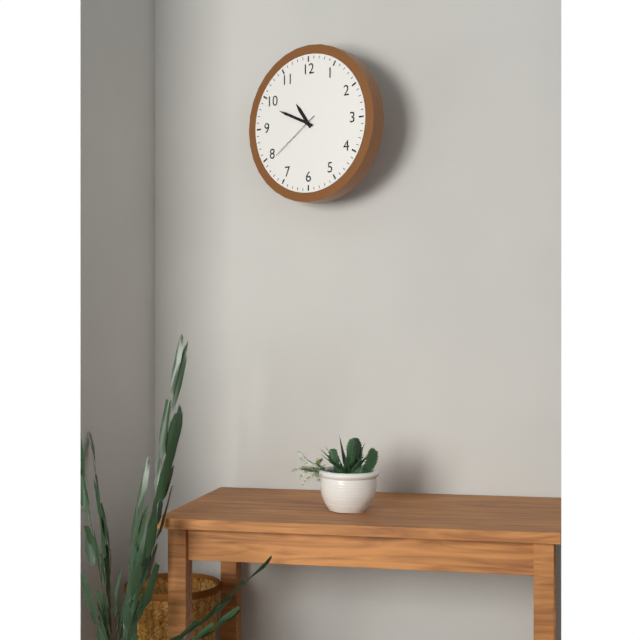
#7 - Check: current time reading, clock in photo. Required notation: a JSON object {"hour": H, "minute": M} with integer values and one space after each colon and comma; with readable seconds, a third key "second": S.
{"hour": 10, "minute": 49, "second": 39}
